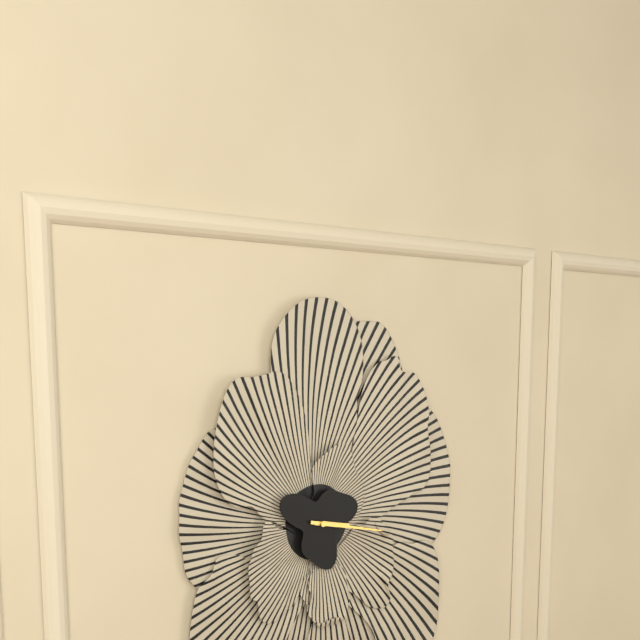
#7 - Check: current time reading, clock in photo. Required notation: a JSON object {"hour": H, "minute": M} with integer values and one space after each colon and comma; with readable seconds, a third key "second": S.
{"hour": 3, "minute": 17}
